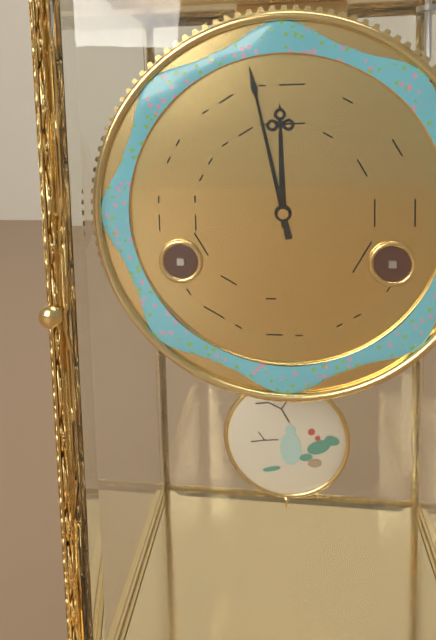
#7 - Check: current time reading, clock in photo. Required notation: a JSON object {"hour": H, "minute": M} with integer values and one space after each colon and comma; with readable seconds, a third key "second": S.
{"hour": 11, "minute": 58}
